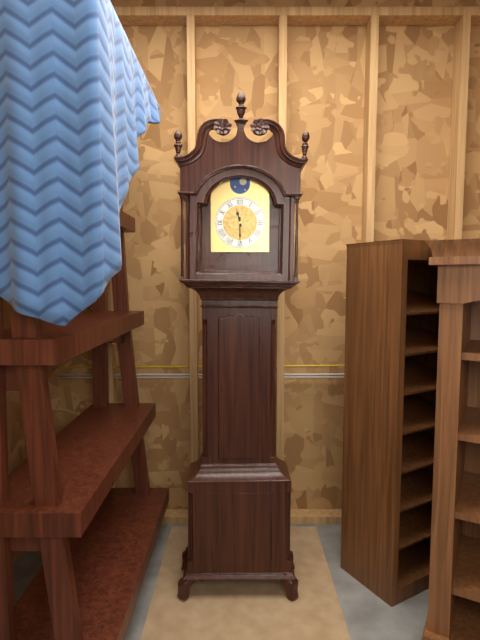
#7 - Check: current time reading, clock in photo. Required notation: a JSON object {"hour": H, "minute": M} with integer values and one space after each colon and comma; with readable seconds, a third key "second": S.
{"hour": 11, "minute": 30}
